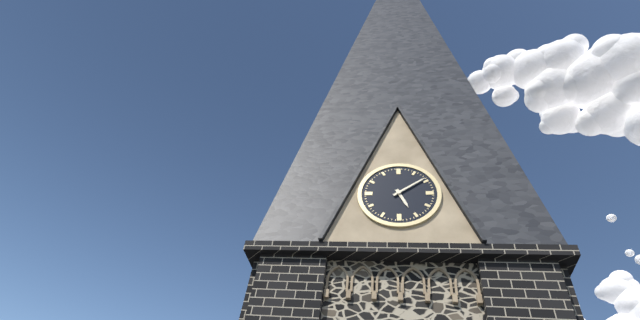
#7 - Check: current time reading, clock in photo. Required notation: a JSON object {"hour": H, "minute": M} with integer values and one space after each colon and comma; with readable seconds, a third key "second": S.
{"hour": 5, "minute": 9}
